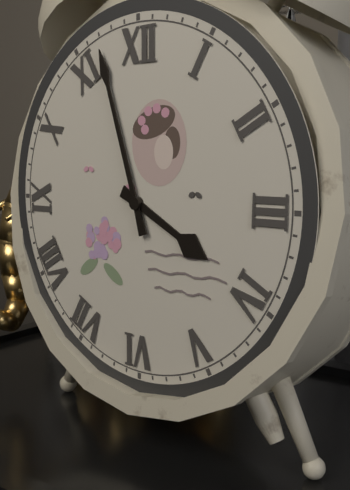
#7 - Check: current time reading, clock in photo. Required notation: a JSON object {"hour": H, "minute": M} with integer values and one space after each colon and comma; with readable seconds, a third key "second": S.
{"hour": 3, "minute": 57}
